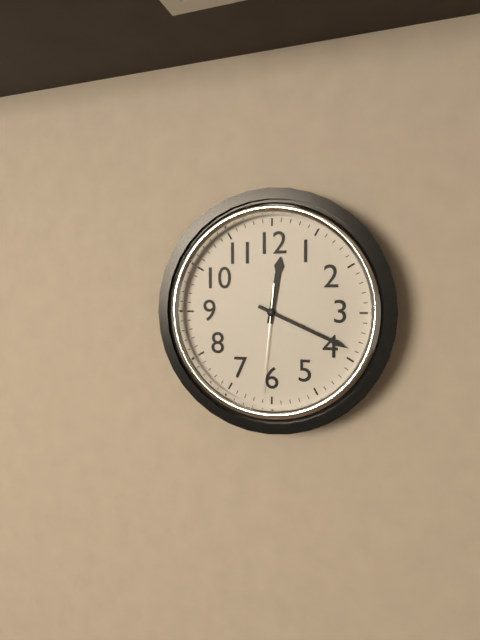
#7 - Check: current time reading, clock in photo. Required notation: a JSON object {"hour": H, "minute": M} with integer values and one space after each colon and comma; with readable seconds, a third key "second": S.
{"hour": 12, "minute": 19, "second": 31}
